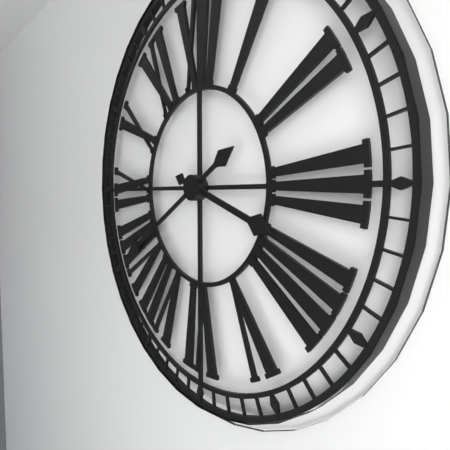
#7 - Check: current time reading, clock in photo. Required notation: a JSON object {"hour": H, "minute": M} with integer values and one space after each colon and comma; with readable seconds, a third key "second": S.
{"hour": 3, "minute": 40}
